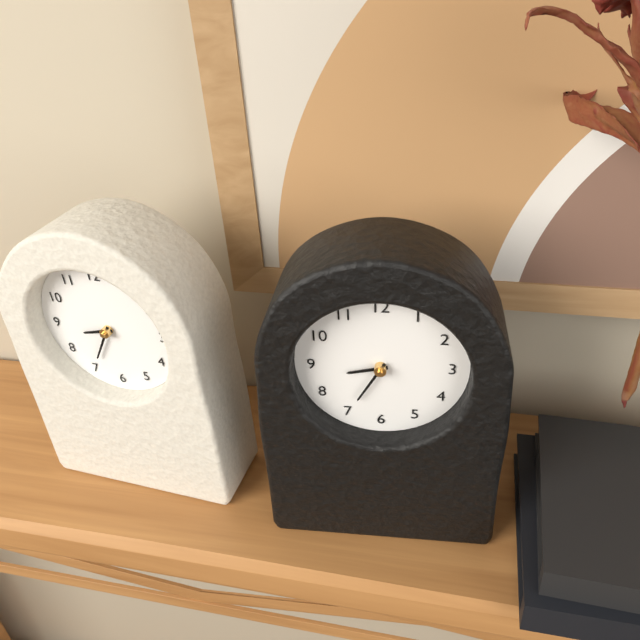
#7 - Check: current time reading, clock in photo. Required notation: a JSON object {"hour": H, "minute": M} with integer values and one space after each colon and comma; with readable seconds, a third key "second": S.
{"hour": 8, "minute": 35}
